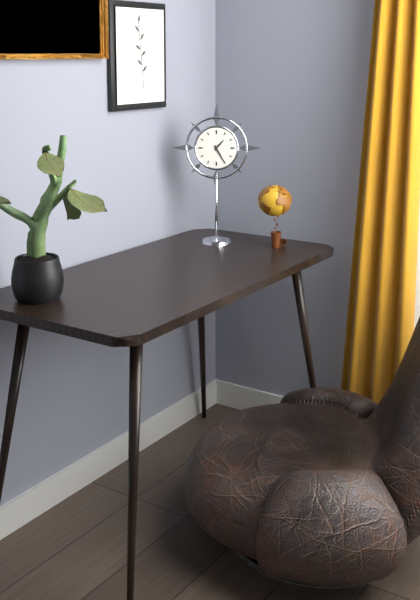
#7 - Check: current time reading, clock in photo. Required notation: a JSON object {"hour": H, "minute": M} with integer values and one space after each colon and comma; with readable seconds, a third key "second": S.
{"hour": 1, "minute": 25}
